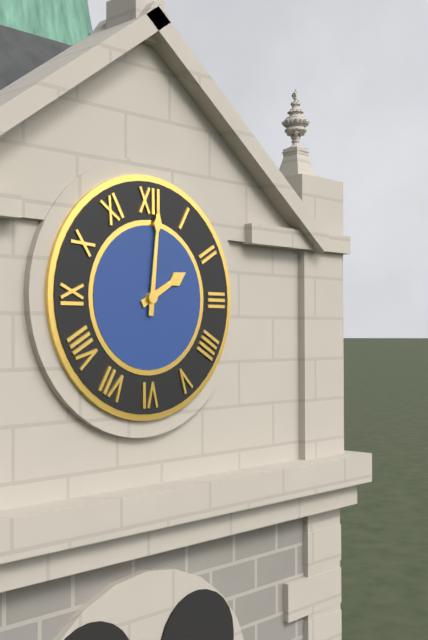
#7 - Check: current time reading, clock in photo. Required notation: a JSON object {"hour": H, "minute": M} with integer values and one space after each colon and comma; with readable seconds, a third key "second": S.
{"hour": 2, "minute": 1}
